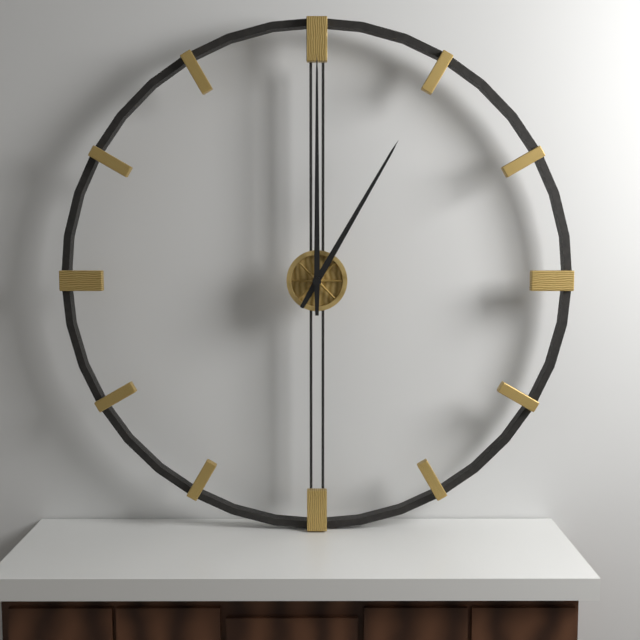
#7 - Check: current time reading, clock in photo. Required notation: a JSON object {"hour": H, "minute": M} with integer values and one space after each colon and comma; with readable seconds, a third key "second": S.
{"hour": 1, "minute": 0}
